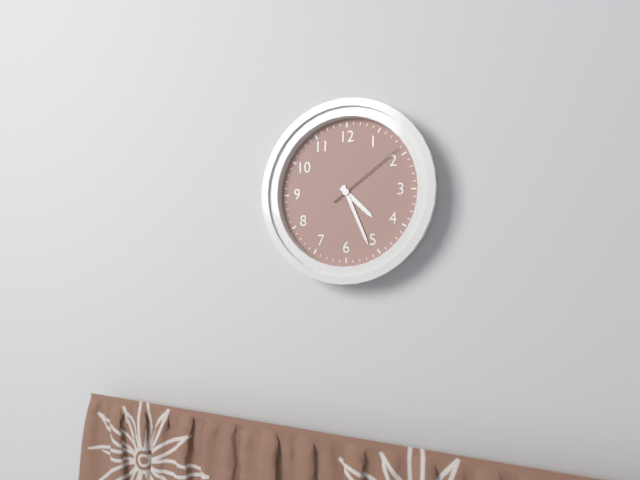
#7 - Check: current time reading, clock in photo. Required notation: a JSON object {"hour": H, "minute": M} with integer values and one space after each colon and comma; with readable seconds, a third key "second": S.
{"hour": 4, "minute": 26, "second": 9}
